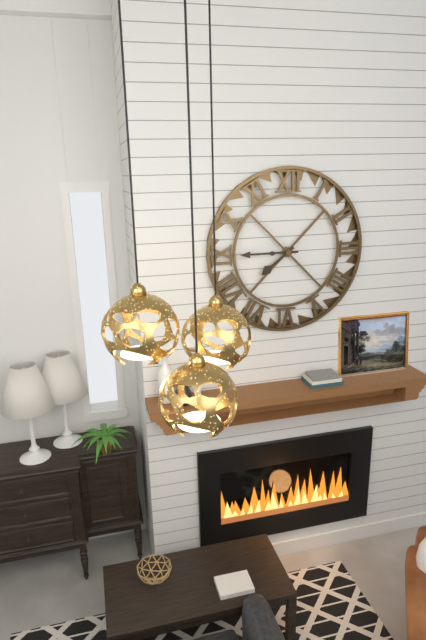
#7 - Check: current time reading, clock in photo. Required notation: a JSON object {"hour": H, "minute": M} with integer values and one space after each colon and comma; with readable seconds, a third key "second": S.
{"hour": 7, "minute": 45}
